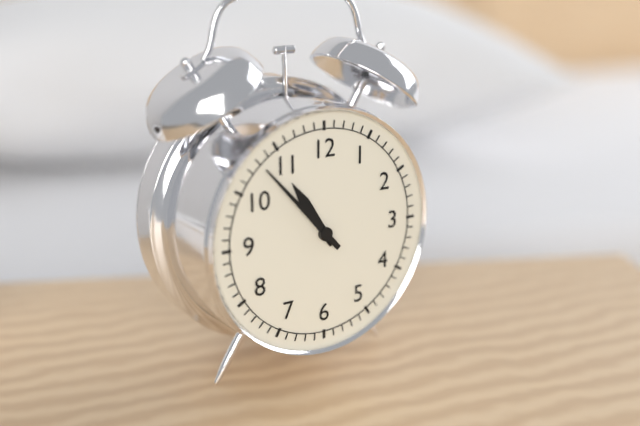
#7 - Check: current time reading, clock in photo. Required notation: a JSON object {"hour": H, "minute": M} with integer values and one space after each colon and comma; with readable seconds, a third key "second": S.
{"hour": 10, "minute": 53}
